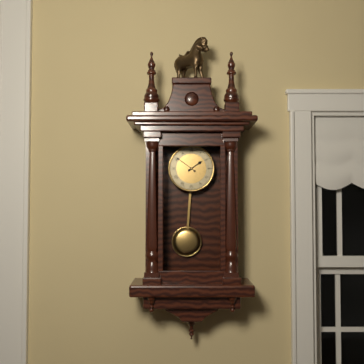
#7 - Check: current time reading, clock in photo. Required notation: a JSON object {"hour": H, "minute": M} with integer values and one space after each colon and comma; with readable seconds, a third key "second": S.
{"hour": 1, "minute": 51}
